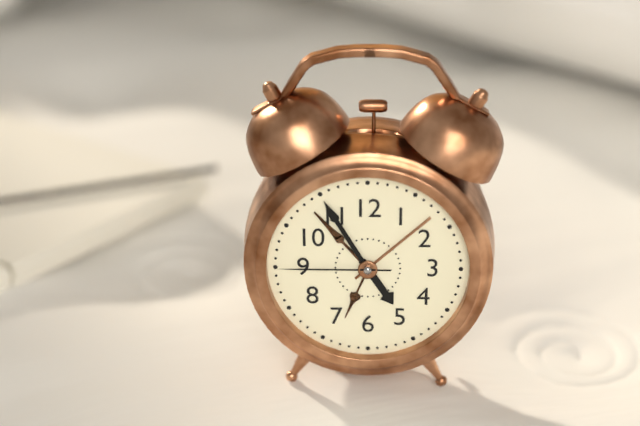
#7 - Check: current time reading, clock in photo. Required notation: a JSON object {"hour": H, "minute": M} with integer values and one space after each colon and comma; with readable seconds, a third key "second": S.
{"hour": 4, "minute": 55, "second": 45}
